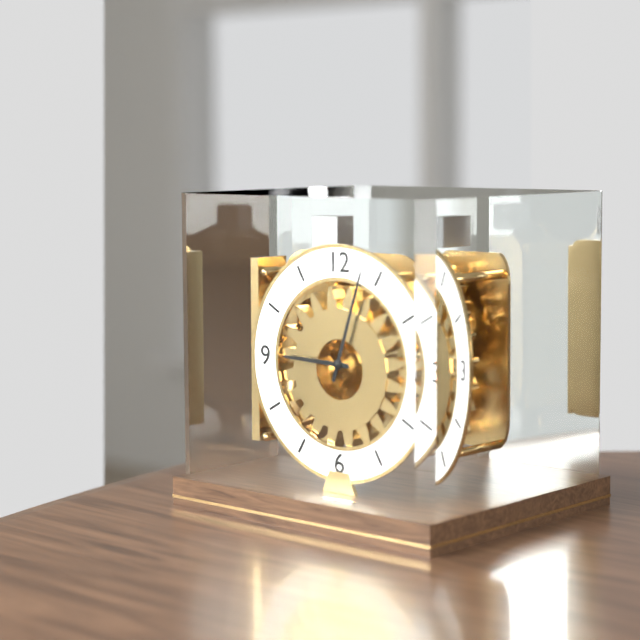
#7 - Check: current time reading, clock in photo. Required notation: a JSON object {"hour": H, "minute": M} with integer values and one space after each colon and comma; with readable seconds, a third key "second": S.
{"hour": 9, "minute": 3}
